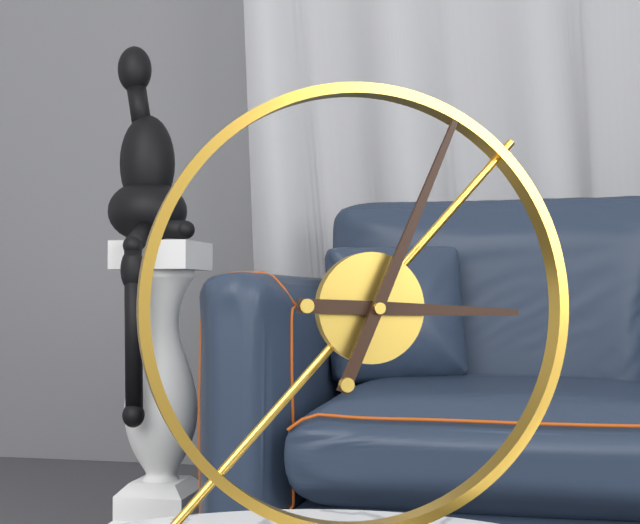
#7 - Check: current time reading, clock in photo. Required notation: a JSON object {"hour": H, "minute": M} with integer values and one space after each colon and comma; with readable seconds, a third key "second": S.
{"hour": 3, "minute": 4}
